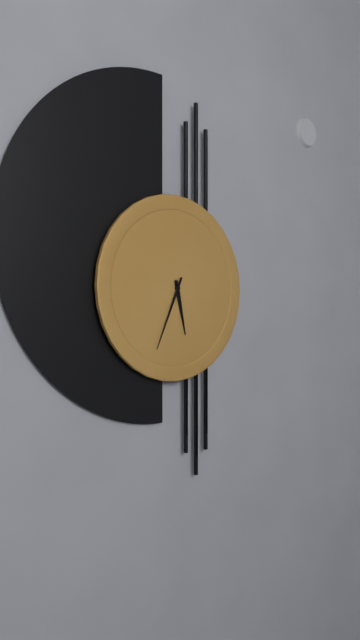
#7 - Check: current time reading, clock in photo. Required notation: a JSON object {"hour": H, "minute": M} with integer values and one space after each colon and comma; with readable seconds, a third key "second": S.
{"hour": 5, "minute": 34}
